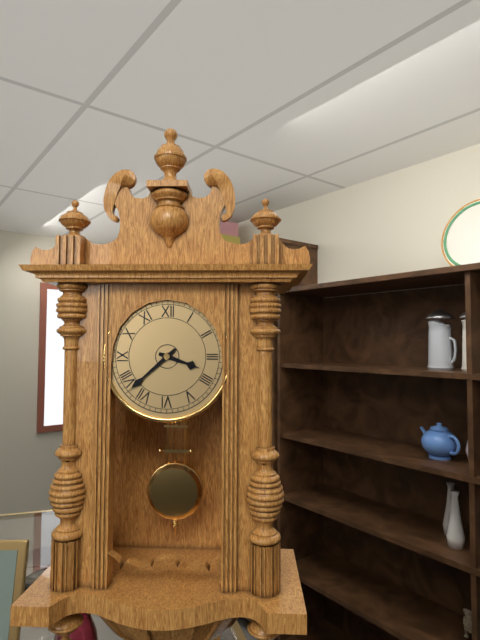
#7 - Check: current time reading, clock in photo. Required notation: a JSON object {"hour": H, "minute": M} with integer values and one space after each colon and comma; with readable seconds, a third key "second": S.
{"hour": 3, "minute": 38}
